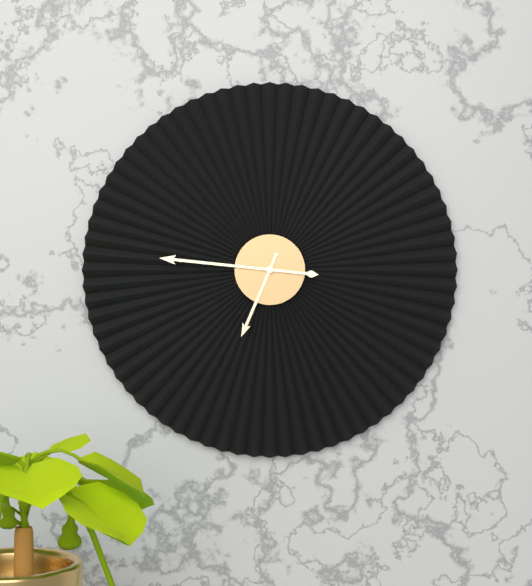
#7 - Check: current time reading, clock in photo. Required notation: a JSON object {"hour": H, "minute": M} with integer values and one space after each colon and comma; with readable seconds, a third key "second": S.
{"hour": 6, "minute": 46}
